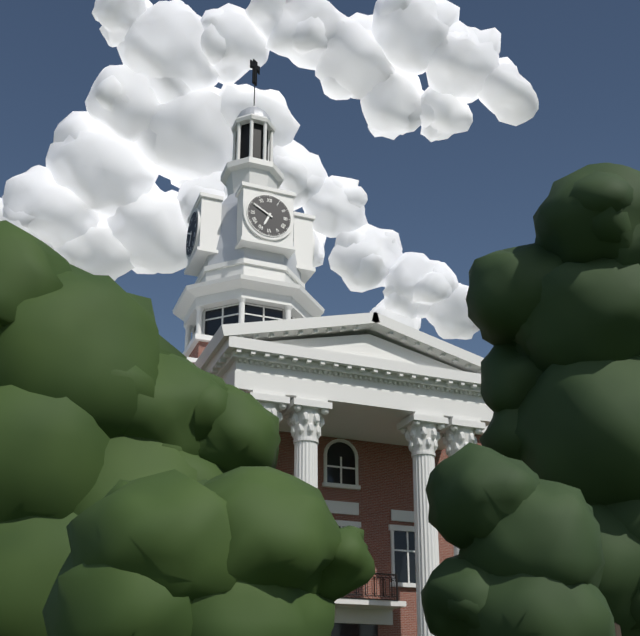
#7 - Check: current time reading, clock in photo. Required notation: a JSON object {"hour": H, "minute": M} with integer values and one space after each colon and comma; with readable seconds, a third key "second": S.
{"hour": 6, "minute": 50}
